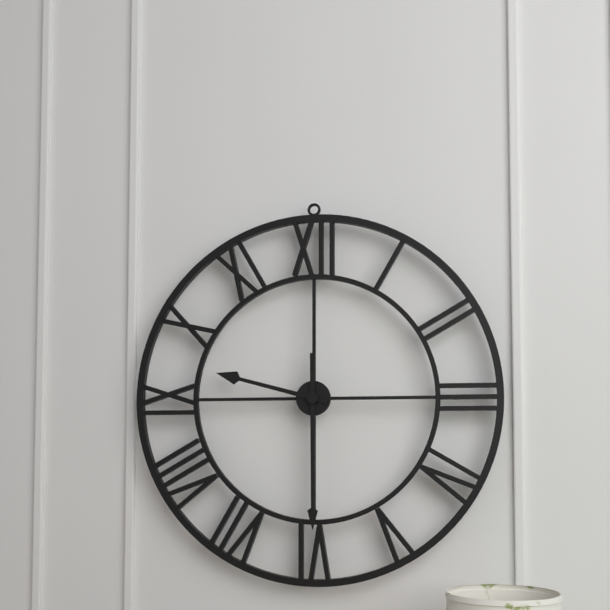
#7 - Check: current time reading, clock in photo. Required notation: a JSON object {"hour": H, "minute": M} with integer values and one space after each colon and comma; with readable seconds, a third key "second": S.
{"hour": 9, "minute": 30}
